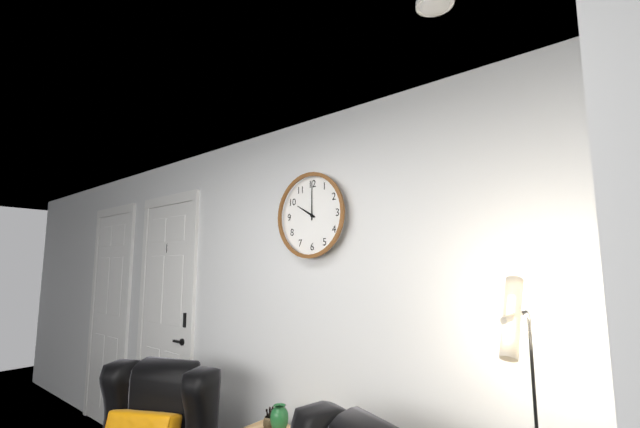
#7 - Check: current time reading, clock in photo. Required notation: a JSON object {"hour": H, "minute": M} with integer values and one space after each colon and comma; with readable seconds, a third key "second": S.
{"hour": 10, "minute": 0}
